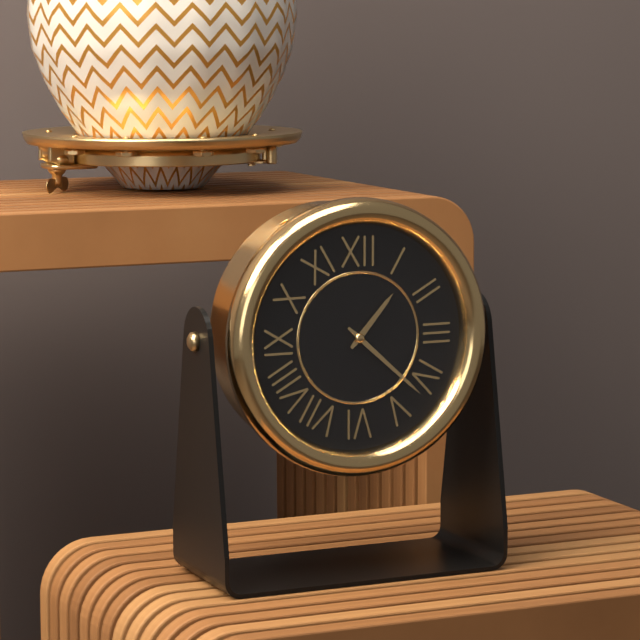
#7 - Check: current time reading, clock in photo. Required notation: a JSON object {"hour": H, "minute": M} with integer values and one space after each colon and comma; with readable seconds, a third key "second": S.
{"hour": 1, "minute": 22}
